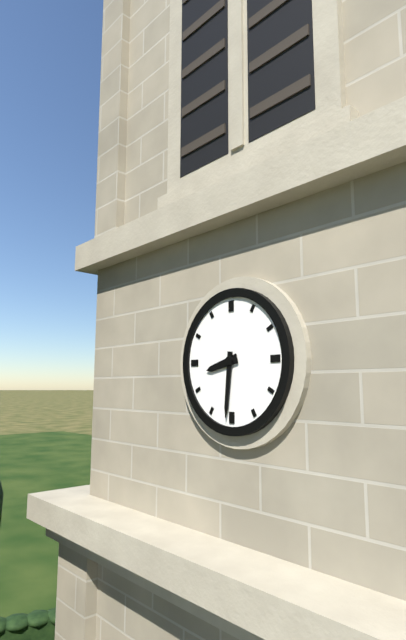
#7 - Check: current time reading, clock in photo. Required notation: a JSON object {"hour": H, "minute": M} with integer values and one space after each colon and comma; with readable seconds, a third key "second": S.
{"hour": 8, "minute": 31}
